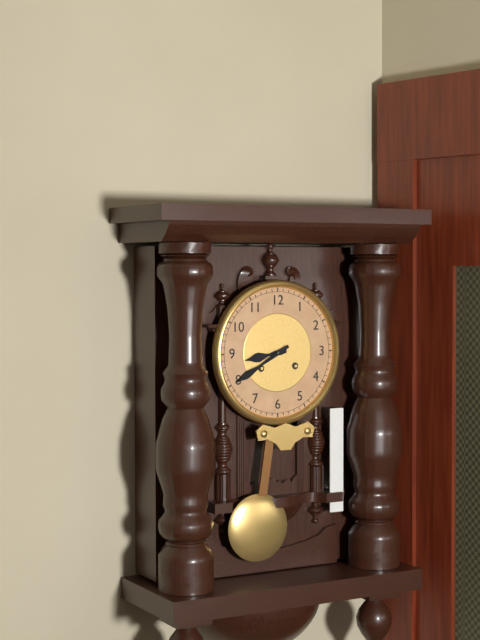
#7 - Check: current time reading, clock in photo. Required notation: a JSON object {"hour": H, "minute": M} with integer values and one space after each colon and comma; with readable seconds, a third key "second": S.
{"hour": 8, "minute": 40}
